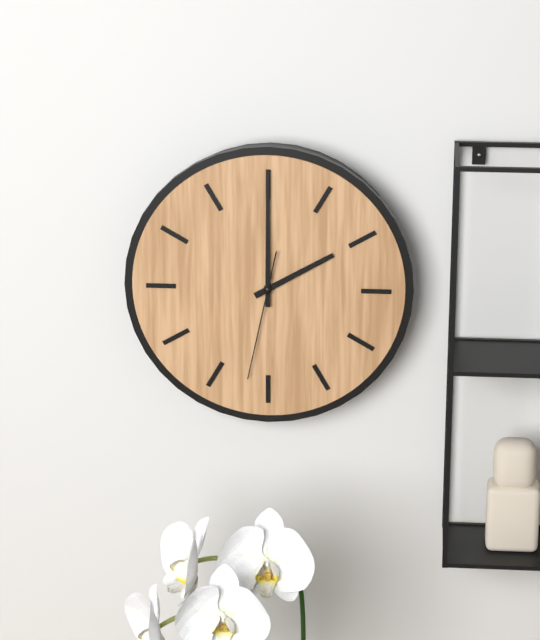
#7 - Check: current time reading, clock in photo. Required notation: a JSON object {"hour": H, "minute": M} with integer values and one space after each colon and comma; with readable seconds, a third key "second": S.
{"hour": 2, "minute": 0, "second": 32}
